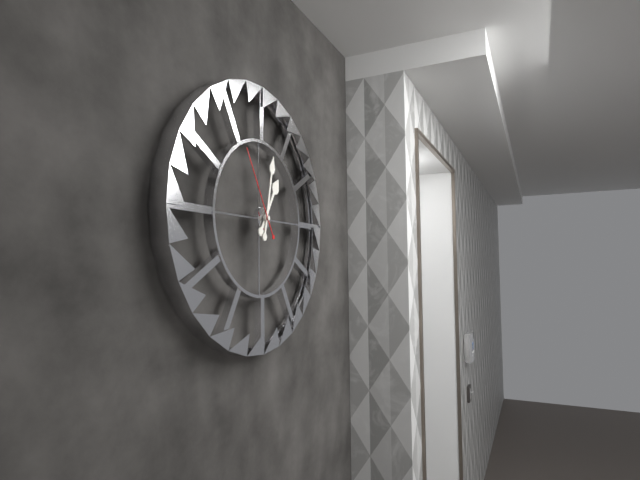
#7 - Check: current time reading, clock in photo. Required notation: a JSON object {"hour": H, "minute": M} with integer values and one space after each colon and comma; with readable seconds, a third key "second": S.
{"hour": 1, "minute": 2, "second": 55}
